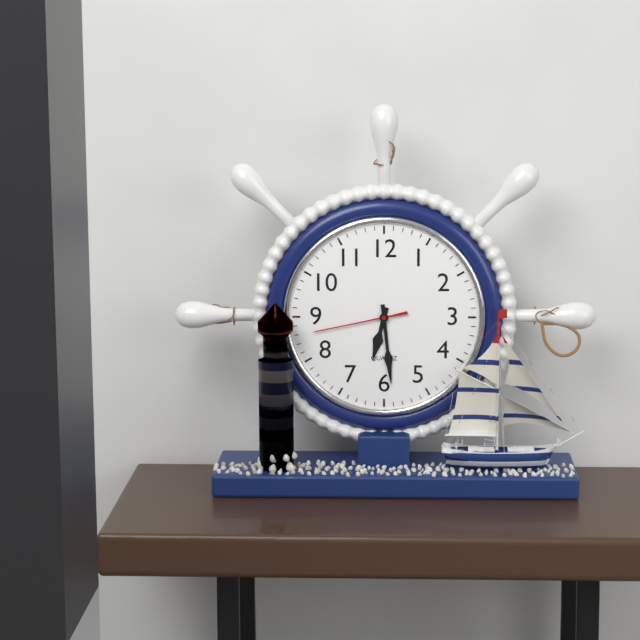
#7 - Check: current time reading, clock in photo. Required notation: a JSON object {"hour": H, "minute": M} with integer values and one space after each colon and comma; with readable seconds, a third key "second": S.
{"hour": 6, "minute": 29, "second": 43}
